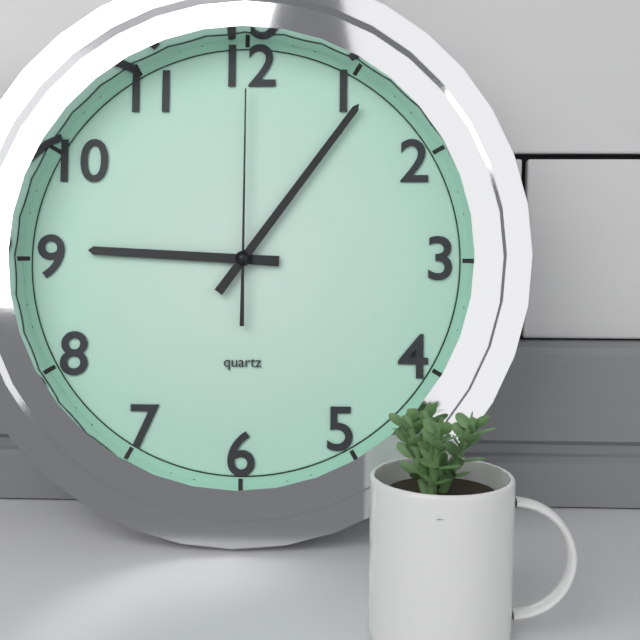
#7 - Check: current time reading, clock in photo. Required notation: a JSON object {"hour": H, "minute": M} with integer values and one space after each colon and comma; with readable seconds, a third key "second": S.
{"hour": 9, "minute": 6, "second": 0}
